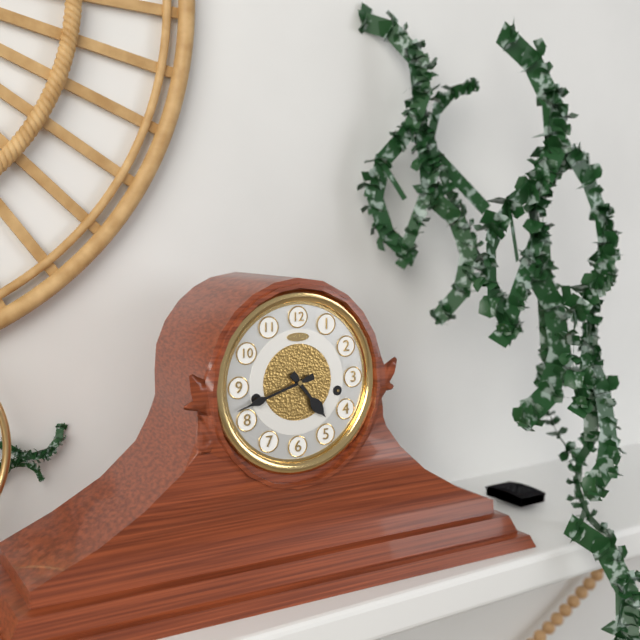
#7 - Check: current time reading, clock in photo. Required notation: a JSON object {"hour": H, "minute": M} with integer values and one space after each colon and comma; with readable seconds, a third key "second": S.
{"hour": 4, "minute": 42}
